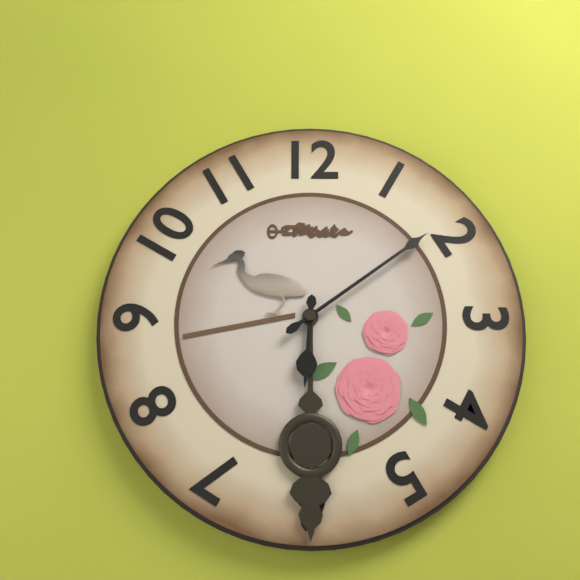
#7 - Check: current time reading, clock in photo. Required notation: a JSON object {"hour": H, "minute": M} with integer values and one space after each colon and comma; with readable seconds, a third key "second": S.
{"hour": 6, "minute": 9}
